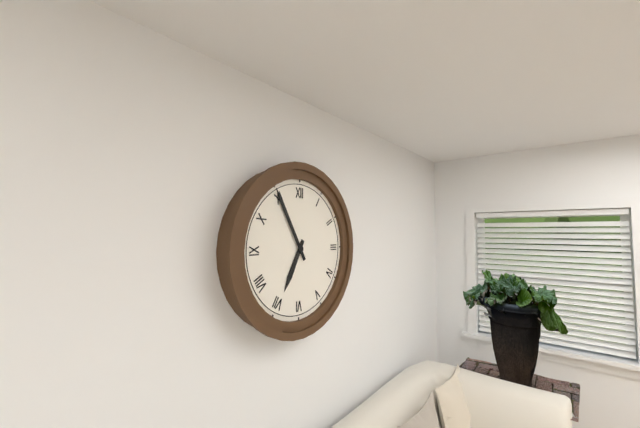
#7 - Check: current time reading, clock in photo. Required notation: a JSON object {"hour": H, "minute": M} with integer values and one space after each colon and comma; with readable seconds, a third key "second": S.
{"hour": 6, "minute": 55}
